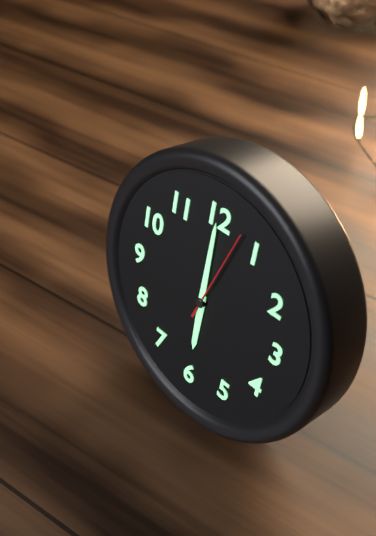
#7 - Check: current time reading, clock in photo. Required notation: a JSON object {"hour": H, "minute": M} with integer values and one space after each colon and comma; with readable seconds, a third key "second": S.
{"hour": 6, "minute": 0, "second": 3}
